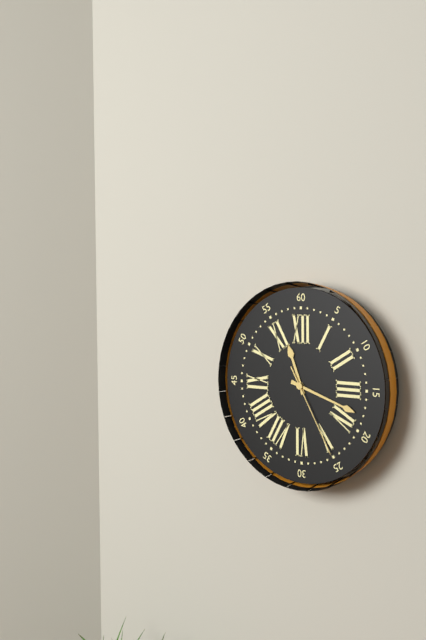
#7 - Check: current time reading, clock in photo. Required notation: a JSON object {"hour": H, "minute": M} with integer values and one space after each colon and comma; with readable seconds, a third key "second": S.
{"hour": 11, "minute": 18, "second": 25}
